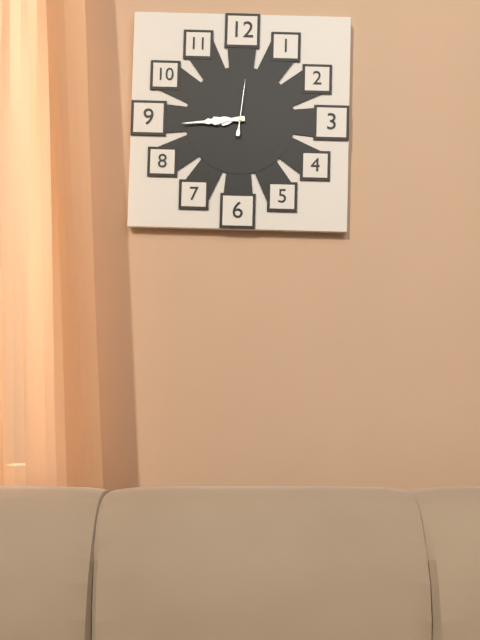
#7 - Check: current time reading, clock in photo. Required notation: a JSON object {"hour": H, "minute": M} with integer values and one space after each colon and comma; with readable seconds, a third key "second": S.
{"hour": 8, "minute": 44, "second": 1}
